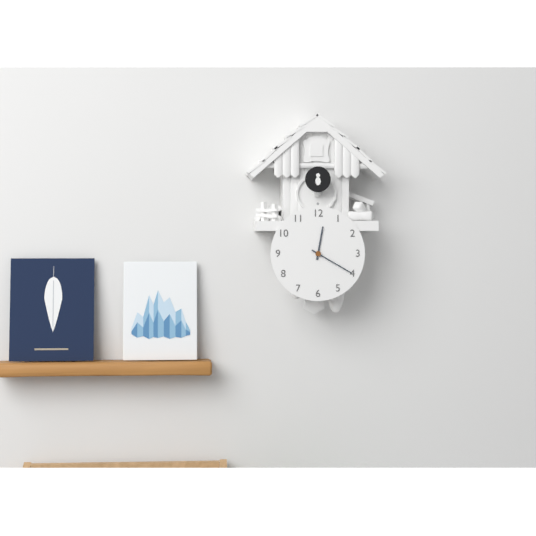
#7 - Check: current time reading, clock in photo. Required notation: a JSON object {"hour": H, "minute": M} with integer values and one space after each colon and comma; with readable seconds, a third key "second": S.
{"hour": 12, "minute": 20}
